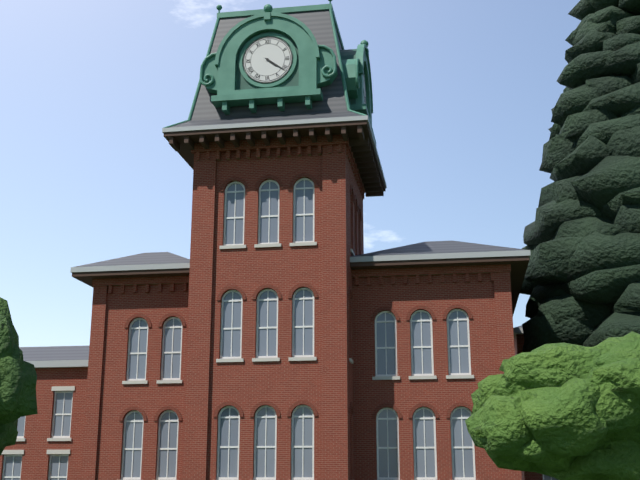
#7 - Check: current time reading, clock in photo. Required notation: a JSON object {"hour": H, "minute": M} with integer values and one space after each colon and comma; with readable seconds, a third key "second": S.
{"hour": 4, "minute": 21}
